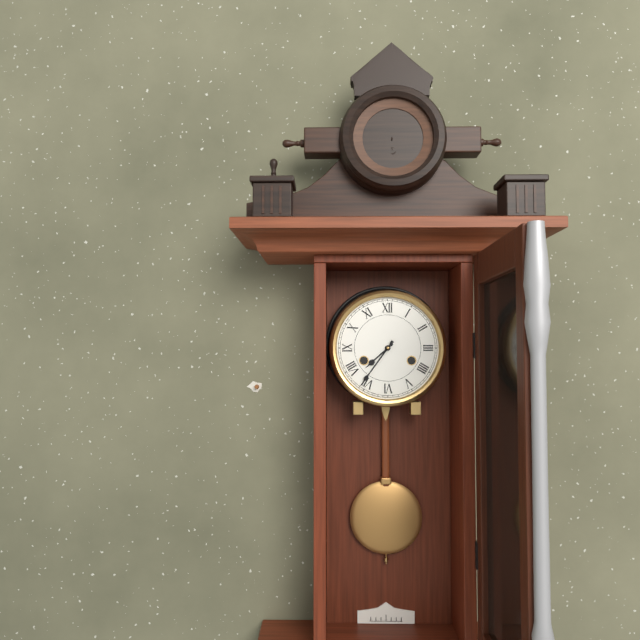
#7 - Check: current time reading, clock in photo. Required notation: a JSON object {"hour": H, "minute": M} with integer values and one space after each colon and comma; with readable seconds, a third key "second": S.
{"hour": 7, "minute": 36}
